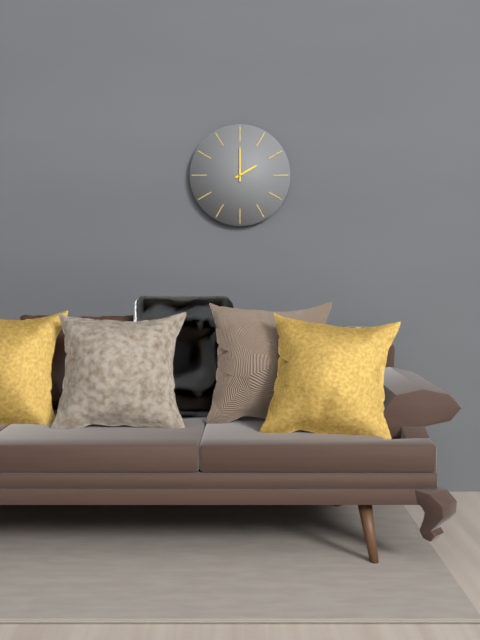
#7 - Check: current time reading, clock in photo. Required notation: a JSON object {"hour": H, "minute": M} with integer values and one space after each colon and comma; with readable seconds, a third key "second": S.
{"hour": 2, "minute": 0}
